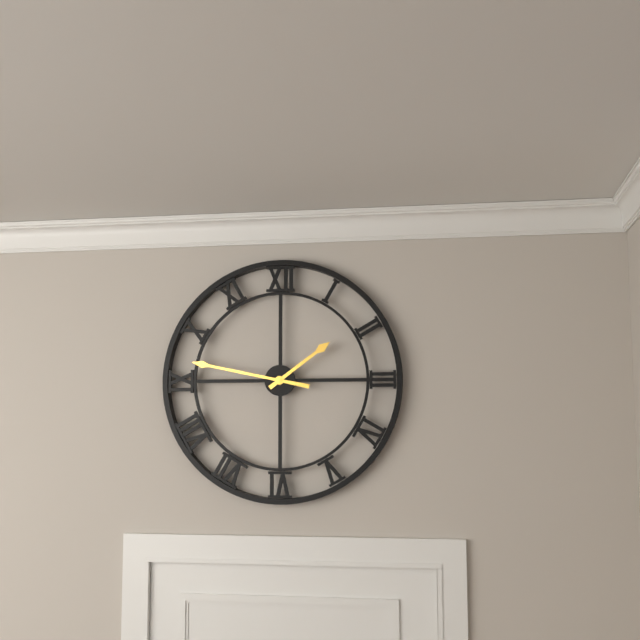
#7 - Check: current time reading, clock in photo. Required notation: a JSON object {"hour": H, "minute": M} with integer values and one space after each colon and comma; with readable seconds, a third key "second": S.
{"hour": 1, "minute": 47}
